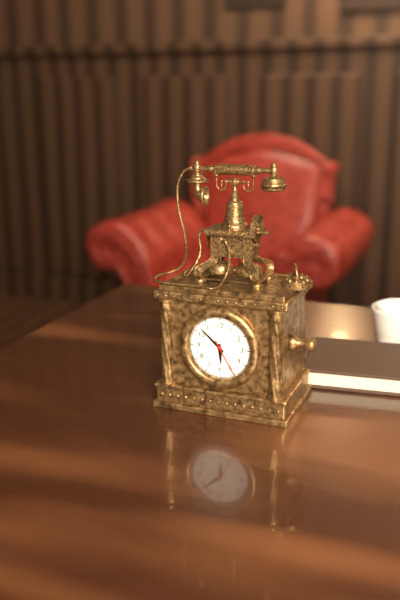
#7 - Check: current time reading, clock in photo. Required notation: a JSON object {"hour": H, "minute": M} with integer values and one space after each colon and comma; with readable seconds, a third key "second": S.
{"hour": 5, "minute": 52}
